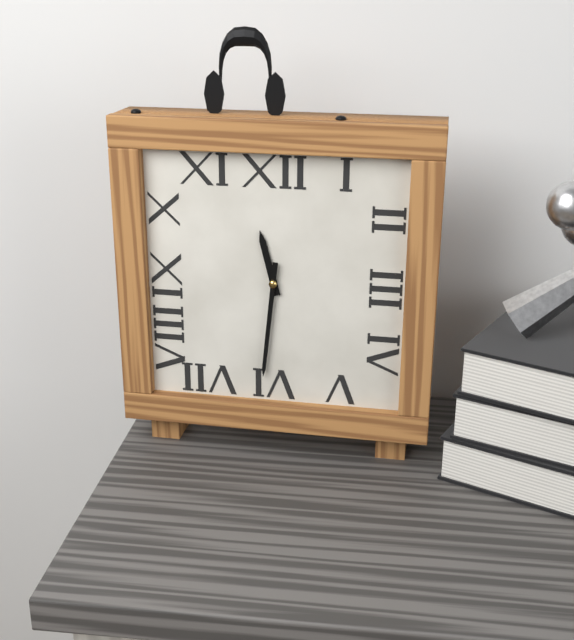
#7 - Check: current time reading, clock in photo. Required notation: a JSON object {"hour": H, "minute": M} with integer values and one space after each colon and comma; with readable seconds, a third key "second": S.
{"hour": 11, "minute": 31}
